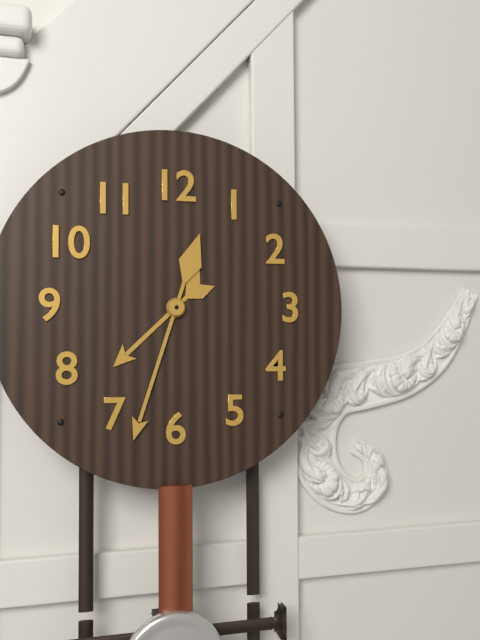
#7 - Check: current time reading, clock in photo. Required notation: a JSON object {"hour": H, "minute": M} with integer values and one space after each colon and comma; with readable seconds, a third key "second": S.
{"hour": 7, "minute": 33}
